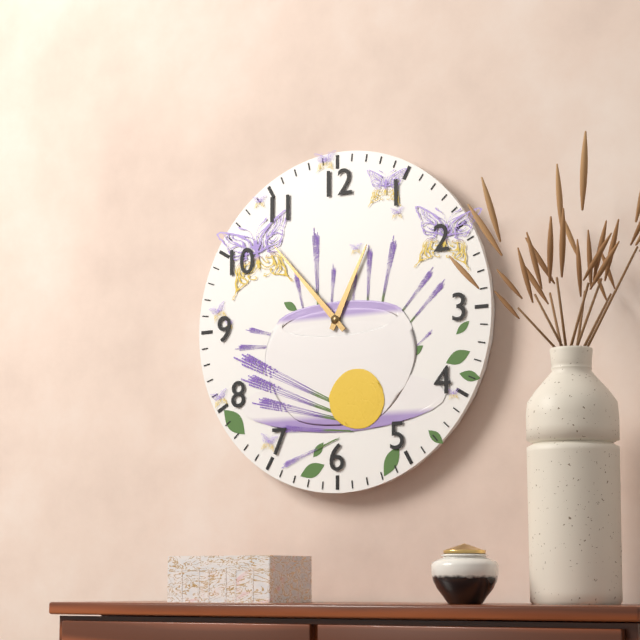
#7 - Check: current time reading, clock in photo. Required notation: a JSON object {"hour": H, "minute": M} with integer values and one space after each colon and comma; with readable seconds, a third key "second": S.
{"hour": 12, "minute": 53}
